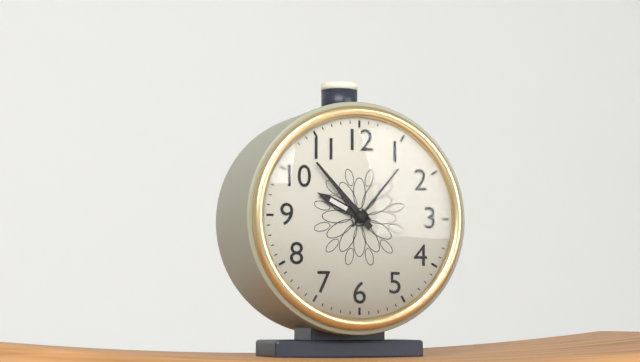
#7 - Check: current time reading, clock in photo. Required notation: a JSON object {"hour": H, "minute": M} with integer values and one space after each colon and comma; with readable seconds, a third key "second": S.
{"hour": 9, "minute": 53}
